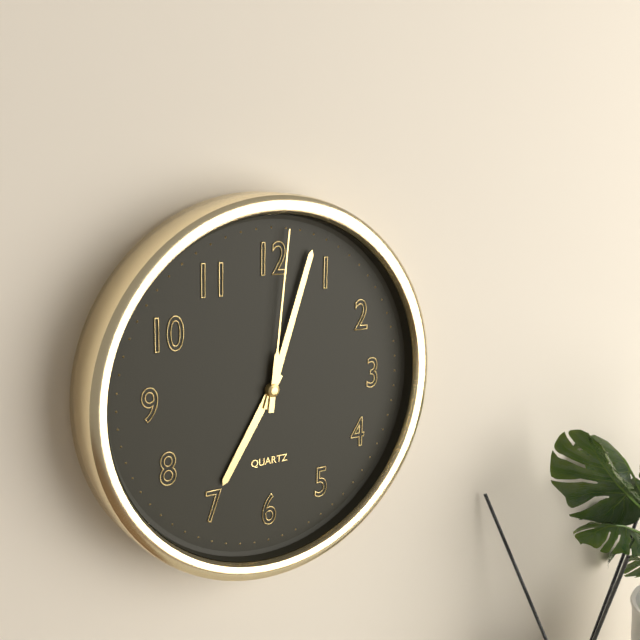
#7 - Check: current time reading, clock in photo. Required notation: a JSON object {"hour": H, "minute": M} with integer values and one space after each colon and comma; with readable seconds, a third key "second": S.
{"hour": 7, "minute": 3, "second": 1}
